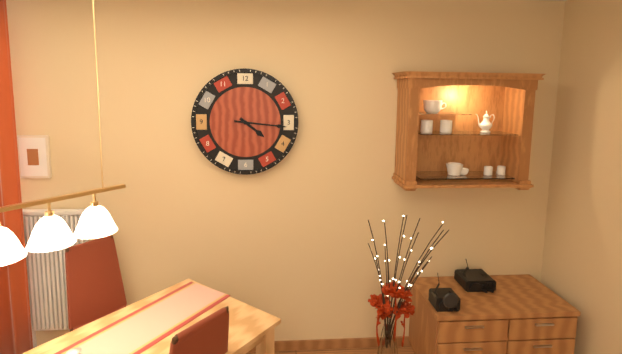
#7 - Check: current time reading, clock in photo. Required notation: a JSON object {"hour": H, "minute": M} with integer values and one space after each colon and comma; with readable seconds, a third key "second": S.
{"hour": 4, "minute": 16}
